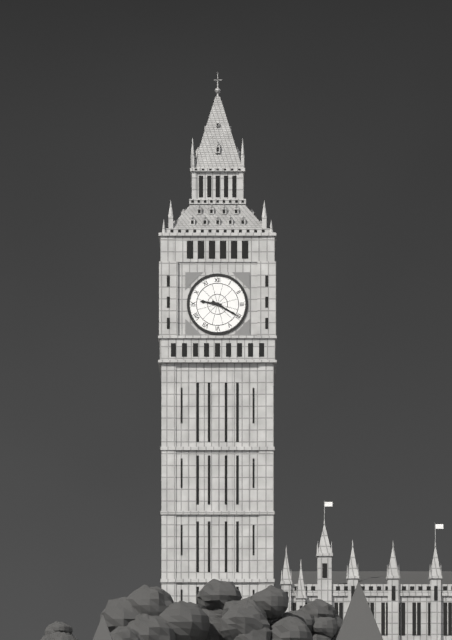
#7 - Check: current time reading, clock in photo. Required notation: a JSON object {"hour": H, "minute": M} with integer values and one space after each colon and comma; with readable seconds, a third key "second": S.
{"hour": 9, "minute": 20}
